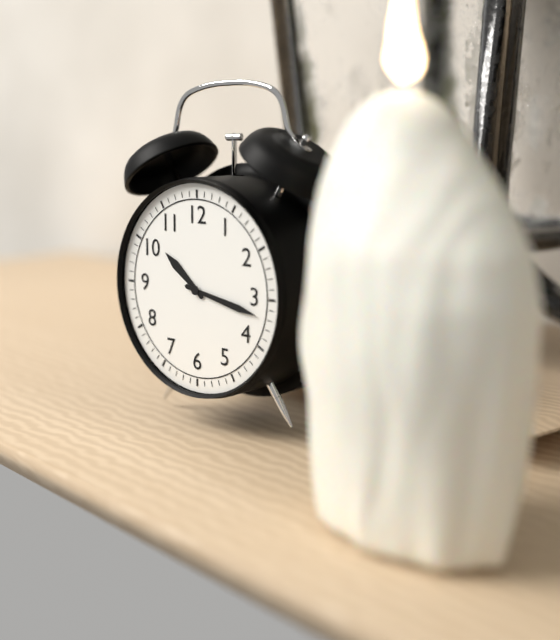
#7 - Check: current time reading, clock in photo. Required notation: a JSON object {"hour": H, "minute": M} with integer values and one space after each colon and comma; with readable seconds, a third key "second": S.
{"hour": 10, "minute": 17}
